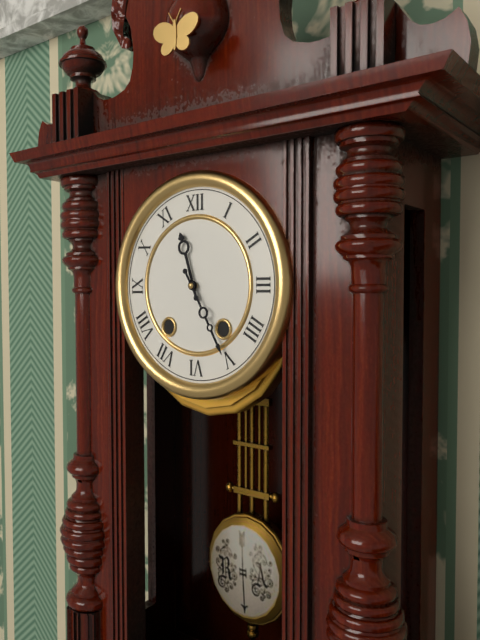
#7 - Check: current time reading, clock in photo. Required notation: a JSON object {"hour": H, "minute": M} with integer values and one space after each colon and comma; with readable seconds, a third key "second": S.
{"hour": 11, "minute": 25}
